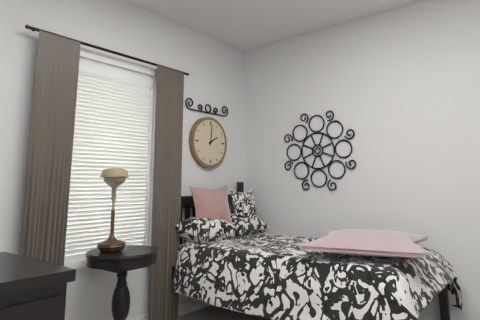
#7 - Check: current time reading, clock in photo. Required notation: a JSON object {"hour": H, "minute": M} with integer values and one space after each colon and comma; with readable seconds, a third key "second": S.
{"hour": 2, "minute": 1}
